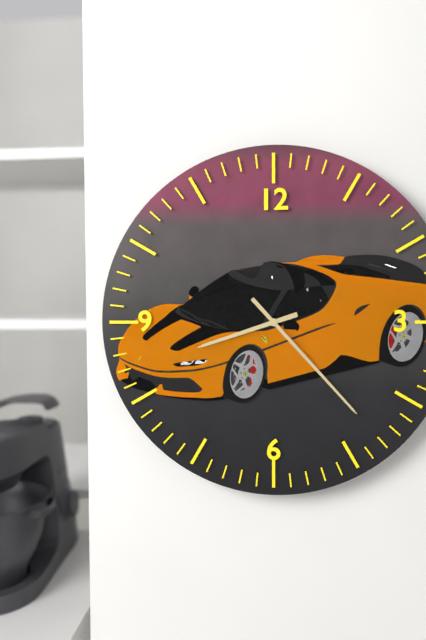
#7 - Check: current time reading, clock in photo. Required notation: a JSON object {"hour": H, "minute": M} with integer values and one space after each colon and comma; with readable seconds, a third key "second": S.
{"hour": 8, "minute": 23}
